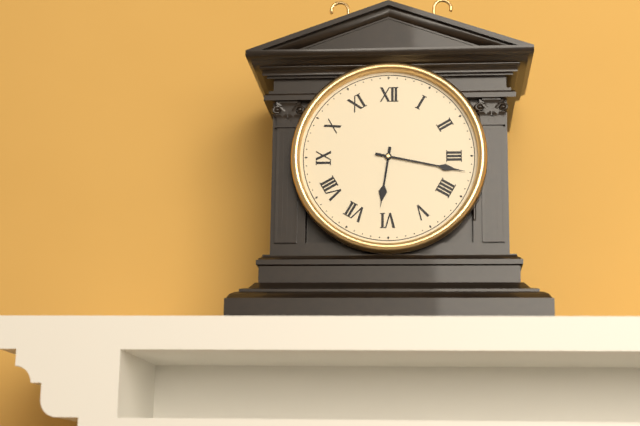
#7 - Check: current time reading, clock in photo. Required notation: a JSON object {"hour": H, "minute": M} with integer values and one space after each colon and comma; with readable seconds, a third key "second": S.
{"hour": 6, "minute": 17}
